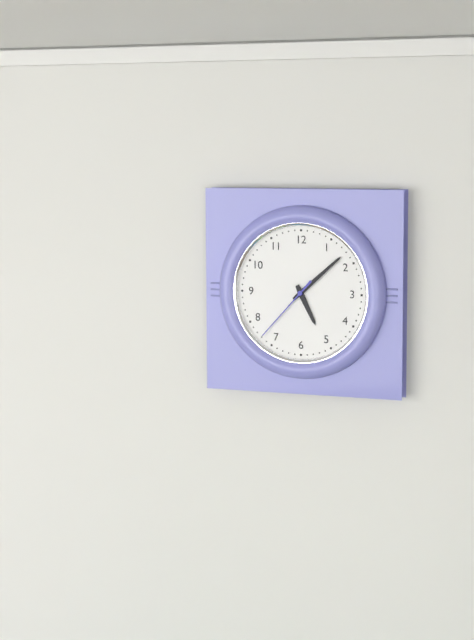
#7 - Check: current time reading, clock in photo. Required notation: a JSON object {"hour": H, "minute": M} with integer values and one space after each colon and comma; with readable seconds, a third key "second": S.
{"hour": 5, "minute": 8, "second": 37}
